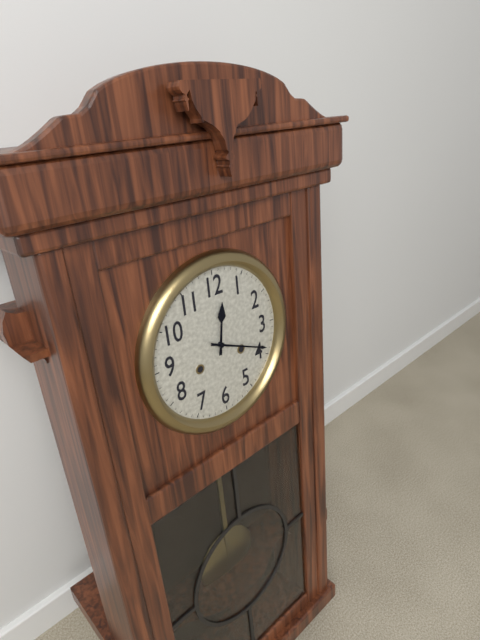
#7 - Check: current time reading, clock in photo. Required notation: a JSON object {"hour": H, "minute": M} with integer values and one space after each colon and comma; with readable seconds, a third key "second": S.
{"hour": 12, "minute": 19}
